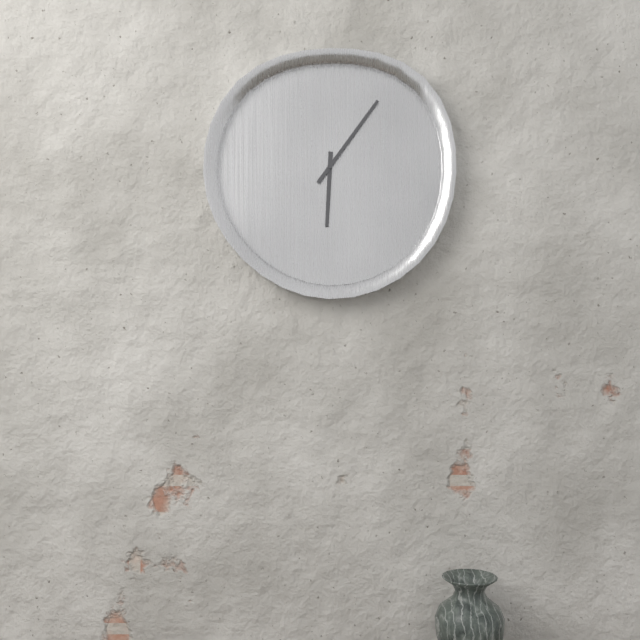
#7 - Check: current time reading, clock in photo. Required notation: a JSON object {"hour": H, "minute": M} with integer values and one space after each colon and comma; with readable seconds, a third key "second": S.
{"hour": 6, "minute": 6}
